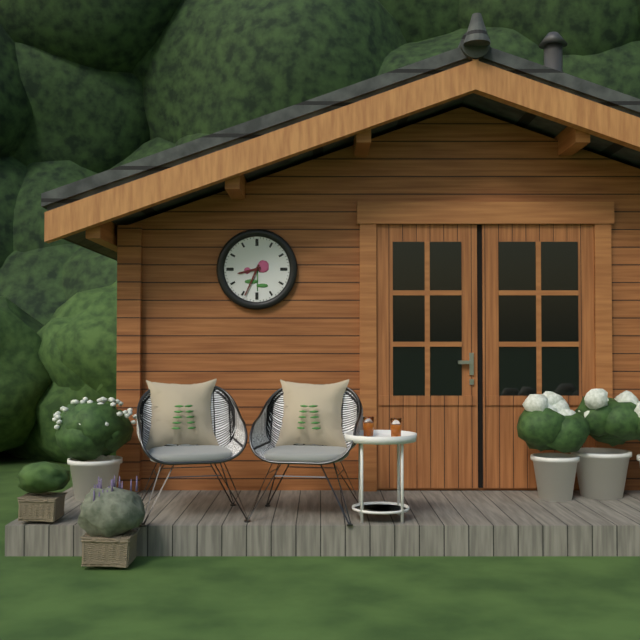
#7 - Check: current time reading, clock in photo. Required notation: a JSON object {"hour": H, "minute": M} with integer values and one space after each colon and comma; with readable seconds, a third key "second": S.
{"hour": 8, "minute": 34}
